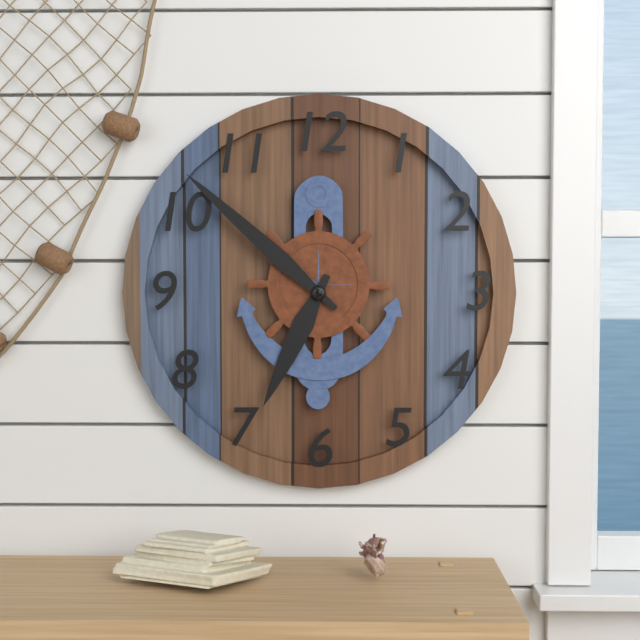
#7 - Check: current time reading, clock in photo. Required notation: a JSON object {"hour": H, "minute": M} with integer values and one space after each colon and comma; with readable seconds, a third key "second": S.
{"hour": 6, "minute": 52}
